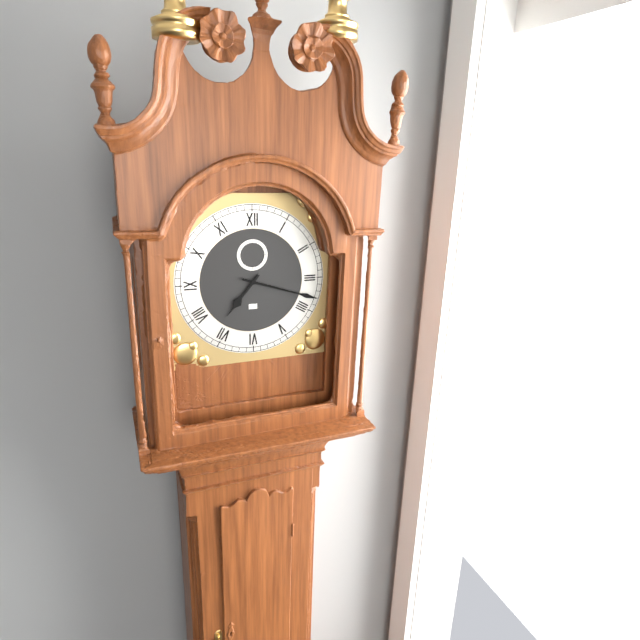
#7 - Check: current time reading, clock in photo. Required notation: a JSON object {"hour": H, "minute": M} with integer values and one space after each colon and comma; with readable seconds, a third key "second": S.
{"hour": 7, "minute": 18}
